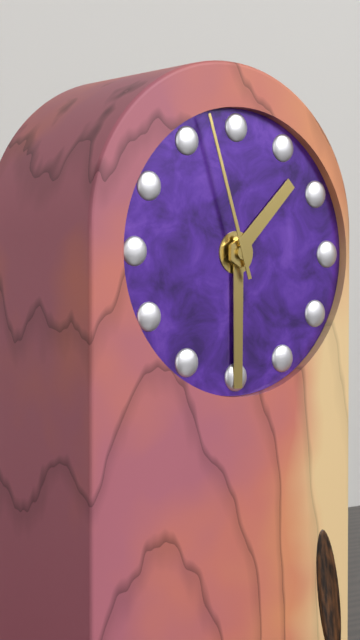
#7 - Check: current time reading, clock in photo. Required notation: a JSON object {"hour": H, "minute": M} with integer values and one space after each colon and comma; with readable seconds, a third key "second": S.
{"hour": 1, "minute": 30, "second": 57}
